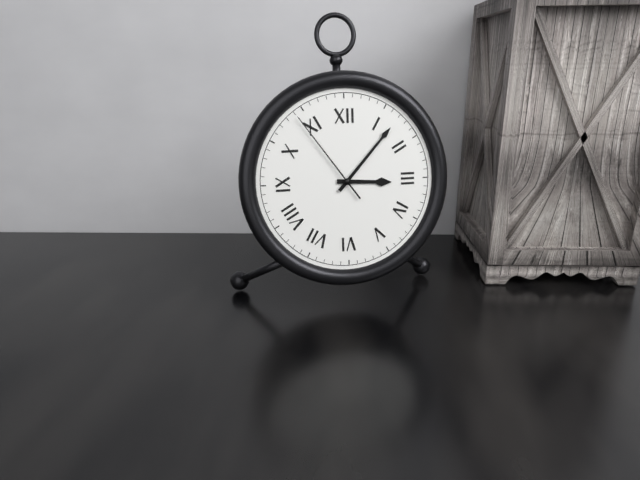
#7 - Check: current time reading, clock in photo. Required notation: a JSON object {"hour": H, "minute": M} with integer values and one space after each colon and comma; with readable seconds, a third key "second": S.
{"hour": 3, "minute": 7, "second": 54}
